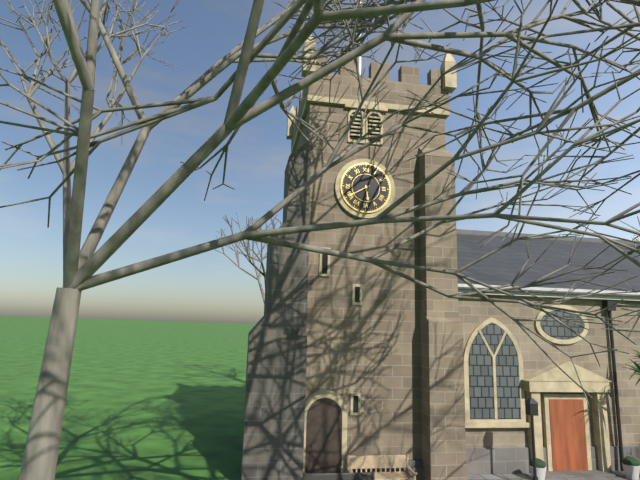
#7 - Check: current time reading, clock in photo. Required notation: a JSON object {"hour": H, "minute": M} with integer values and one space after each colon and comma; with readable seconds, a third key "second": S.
{"hour": 5, "minute": 40}
